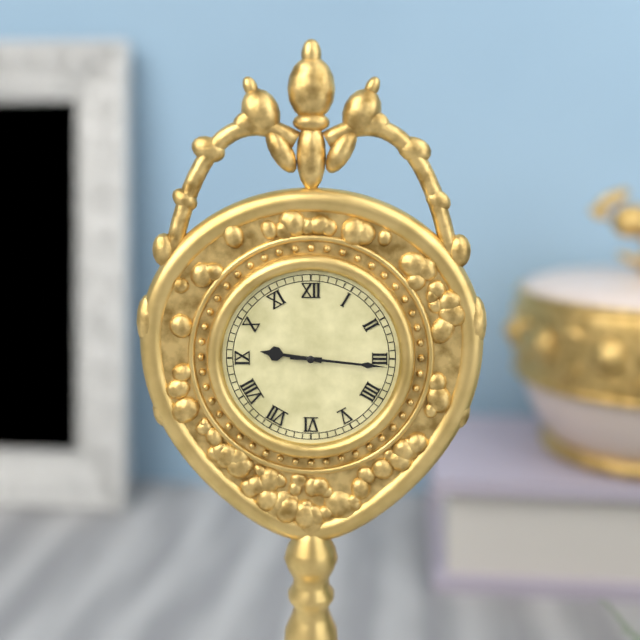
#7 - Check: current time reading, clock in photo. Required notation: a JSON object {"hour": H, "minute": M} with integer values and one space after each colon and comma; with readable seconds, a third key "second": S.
{"hour": 9, "minute": 16}
